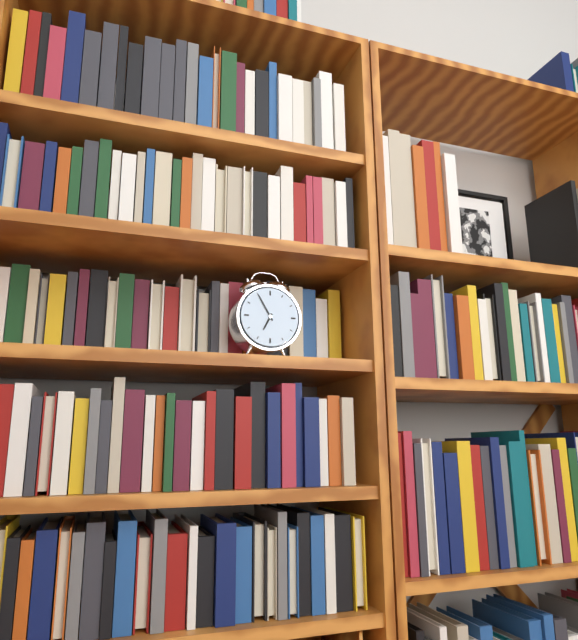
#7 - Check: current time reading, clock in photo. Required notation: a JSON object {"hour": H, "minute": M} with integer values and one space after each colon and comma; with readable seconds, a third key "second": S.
{"hour": 6, "minute": 55}
